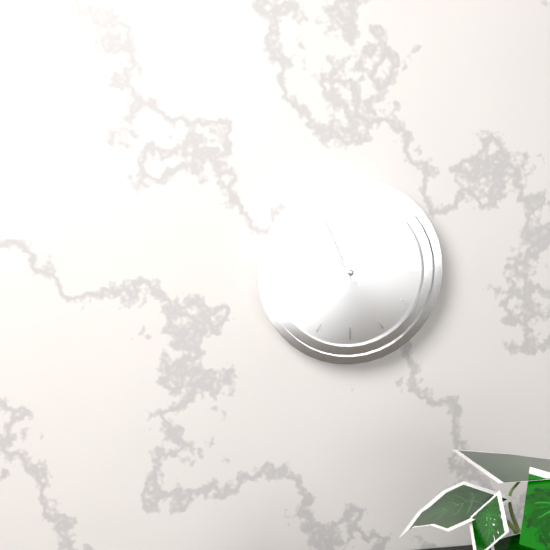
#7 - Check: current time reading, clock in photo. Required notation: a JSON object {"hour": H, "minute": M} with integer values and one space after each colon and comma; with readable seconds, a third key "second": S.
{"hour": 9, "minute": 56, "second": 54}
